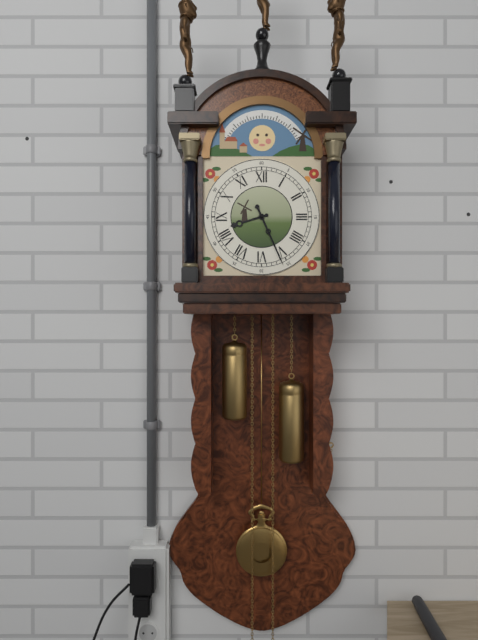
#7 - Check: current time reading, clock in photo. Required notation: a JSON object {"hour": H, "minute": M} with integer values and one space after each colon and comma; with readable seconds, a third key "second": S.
{"hour": 8, "minute": 26}
